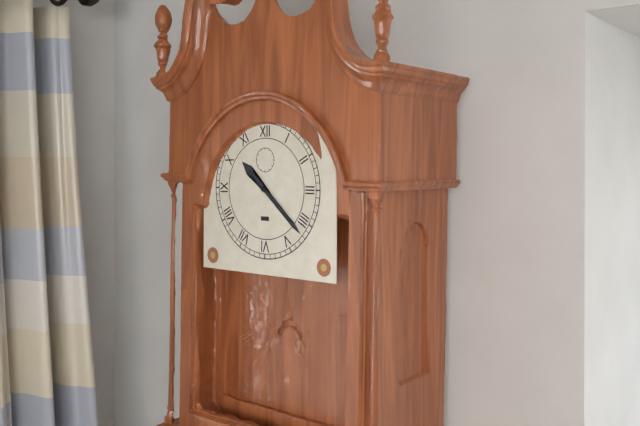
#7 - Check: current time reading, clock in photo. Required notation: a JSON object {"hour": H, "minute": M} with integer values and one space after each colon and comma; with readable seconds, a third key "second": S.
{"hour": 10, "minute": 22}
